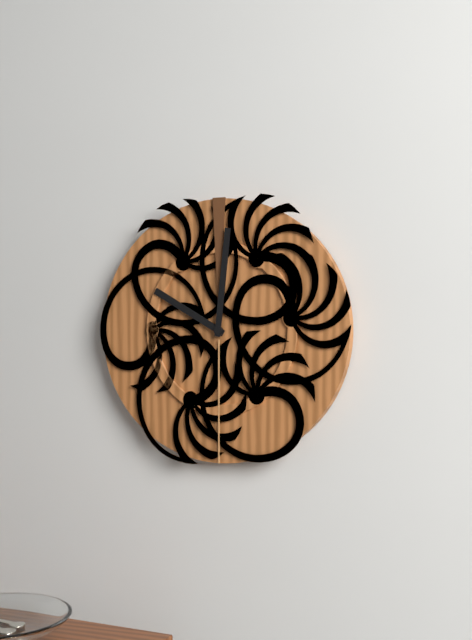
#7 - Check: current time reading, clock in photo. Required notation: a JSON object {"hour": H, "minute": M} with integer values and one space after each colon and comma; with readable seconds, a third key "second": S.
{"hour": 10, "minute": 1}
